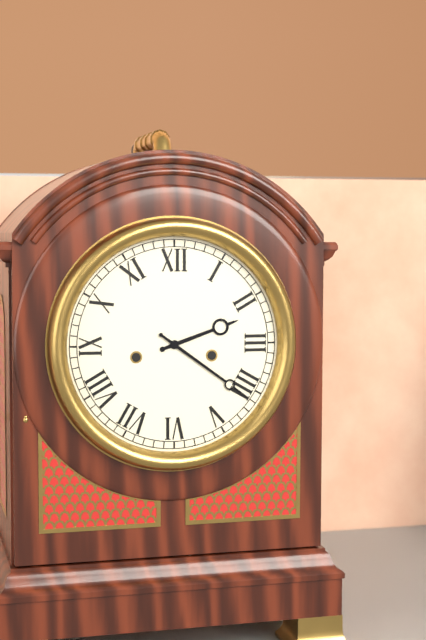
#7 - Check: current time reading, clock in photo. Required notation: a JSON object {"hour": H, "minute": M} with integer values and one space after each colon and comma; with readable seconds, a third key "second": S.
{"hour": 2, "minute": 21}
